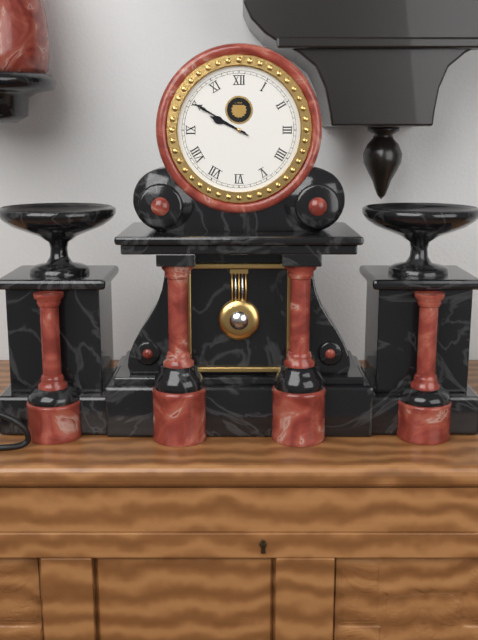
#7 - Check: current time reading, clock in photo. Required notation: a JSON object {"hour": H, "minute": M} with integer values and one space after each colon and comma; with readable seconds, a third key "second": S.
{"hour": 9, "minute": 50}
